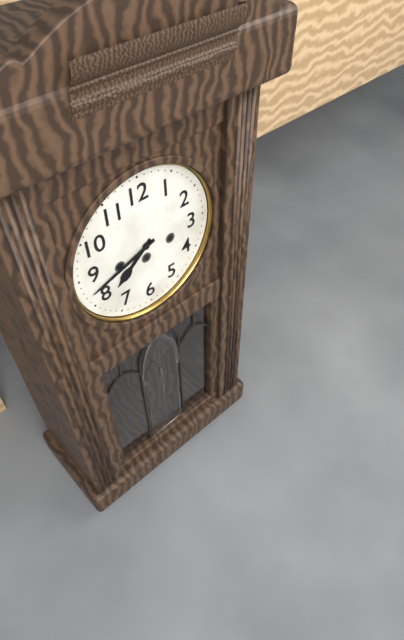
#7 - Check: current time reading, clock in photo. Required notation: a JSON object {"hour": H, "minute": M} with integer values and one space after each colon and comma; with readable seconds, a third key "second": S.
{"hour": 7, "minute": 42}
